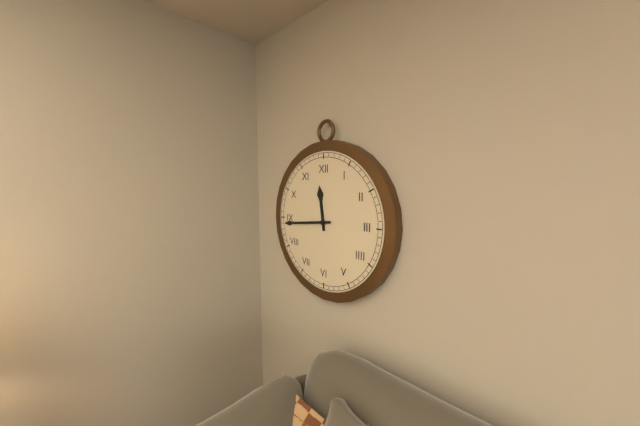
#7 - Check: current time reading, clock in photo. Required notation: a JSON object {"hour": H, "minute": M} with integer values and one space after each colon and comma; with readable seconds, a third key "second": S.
{"hour": 11, "minute": 44}
